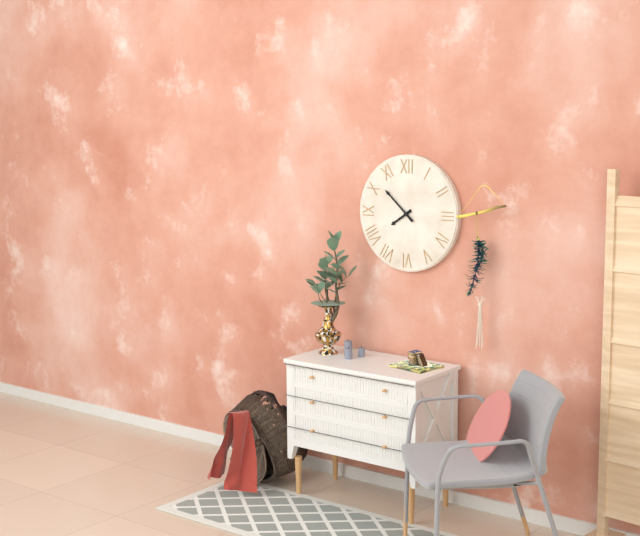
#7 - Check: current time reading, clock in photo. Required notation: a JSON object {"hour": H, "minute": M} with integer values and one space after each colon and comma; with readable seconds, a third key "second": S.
{"hour": 7, "minute": 52}
